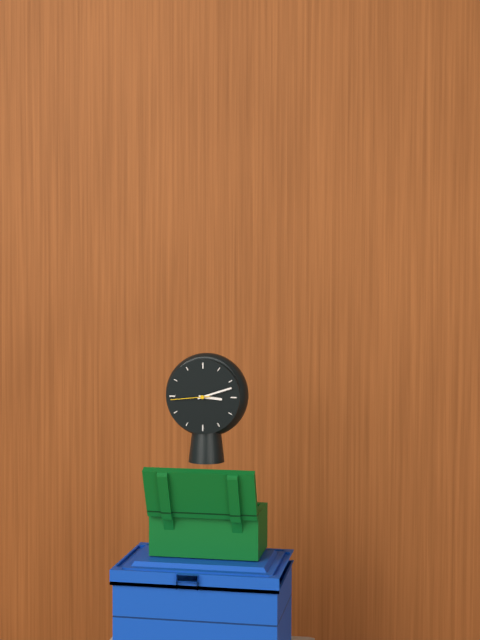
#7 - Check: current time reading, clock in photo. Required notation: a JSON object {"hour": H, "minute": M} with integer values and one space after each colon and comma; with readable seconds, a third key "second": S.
{"hour": 3, "minute": 12}
